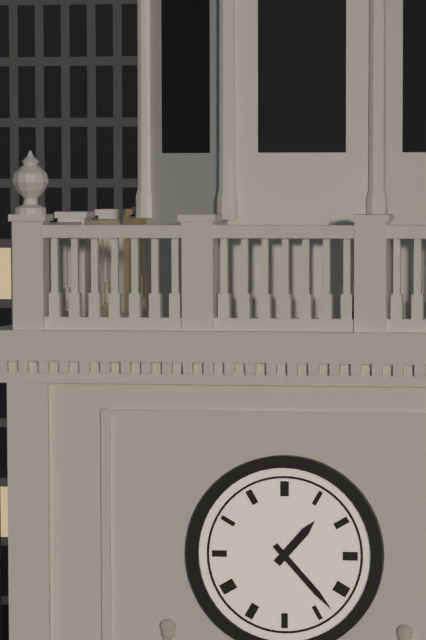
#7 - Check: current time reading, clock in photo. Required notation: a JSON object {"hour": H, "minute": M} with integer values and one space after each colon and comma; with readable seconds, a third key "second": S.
{"hour": 1, "minute": 23}
